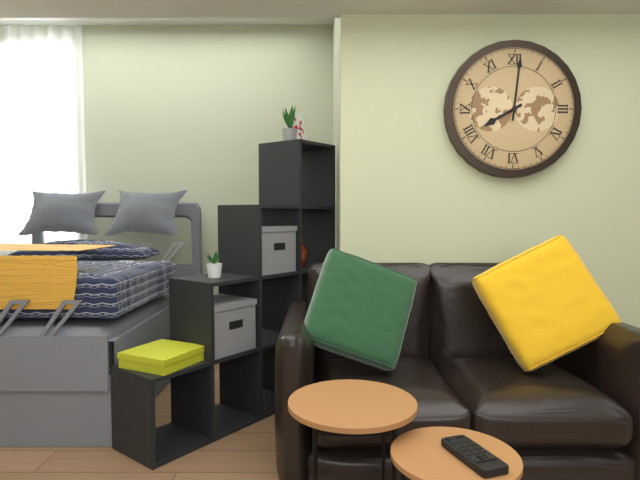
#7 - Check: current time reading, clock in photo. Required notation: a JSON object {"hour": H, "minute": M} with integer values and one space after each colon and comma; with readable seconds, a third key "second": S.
{"hour": 8, "minute": 1}
